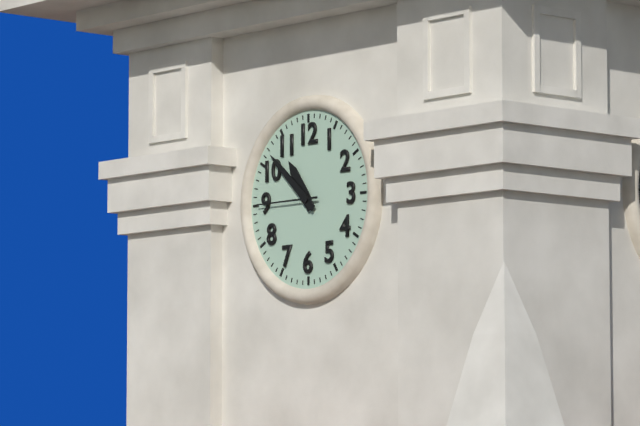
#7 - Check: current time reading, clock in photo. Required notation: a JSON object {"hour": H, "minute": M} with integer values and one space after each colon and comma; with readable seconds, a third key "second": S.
{"hour": 10, "minute": 52, "second": 45}
